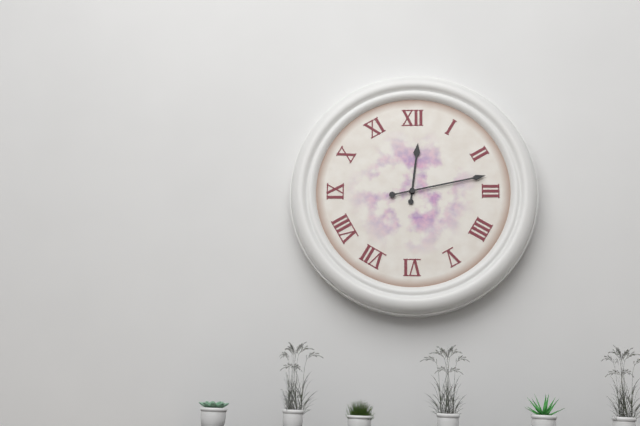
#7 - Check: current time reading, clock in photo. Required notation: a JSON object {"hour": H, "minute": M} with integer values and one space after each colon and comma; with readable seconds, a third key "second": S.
{"hour": 12, "minute": 13}
